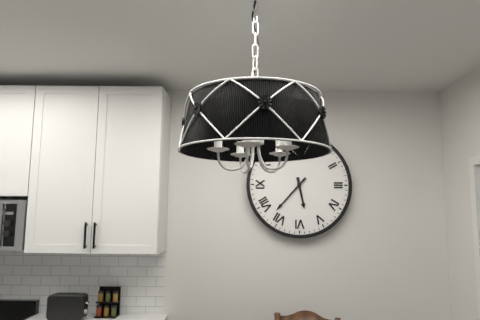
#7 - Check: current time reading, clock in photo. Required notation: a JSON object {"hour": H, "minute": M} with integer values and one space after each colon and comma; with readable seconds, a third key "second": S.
{"hour": 5, "minute": 37}
